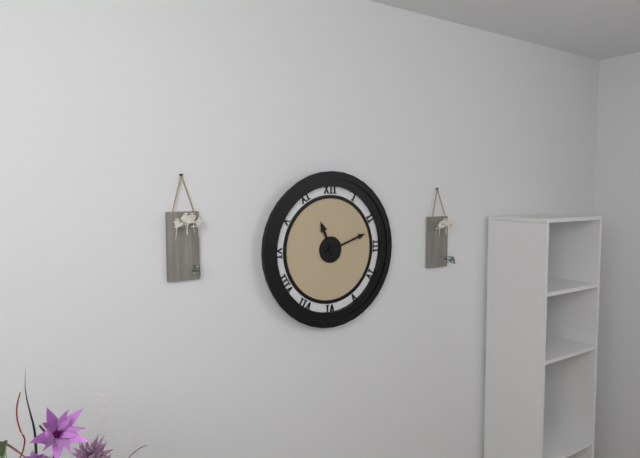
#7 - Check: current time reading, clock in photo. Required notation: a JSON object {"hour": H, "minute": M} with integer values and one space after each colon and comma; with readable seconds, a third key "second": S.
{"hour": 11, "minute": 12}
